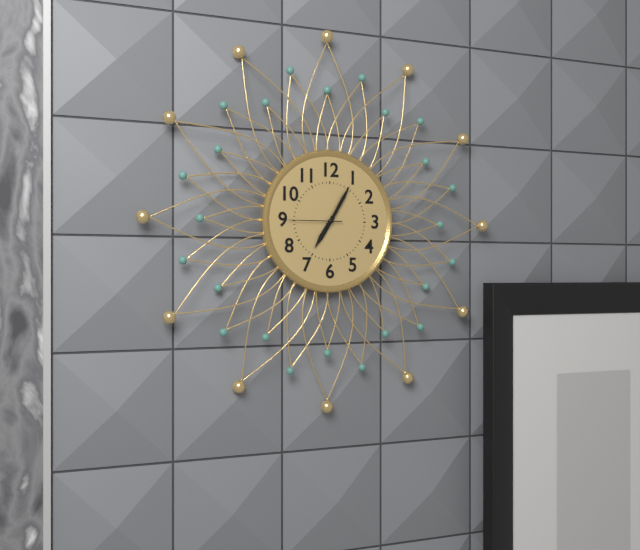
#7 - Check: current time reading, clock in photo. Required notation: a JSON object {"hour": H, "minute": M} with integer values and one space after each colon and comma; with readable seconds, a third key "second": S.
{"hour": 7, "minute": 5, "second": 45}
